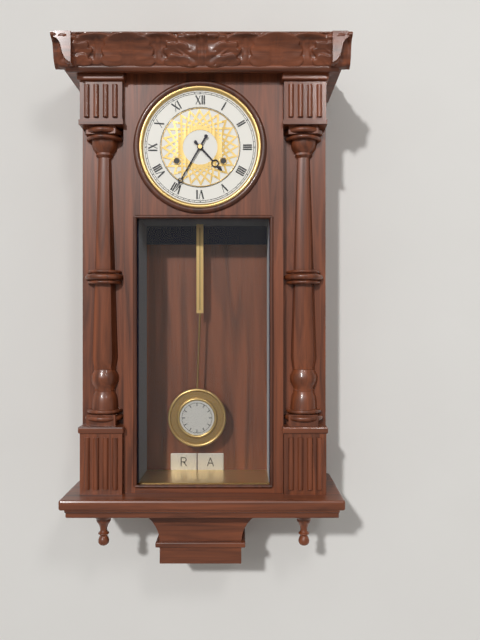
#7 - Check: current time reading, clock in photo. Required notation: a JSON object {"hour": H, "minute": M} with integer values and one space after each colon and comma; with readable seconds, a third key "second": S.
{"hour": 4, "minute": 35}
